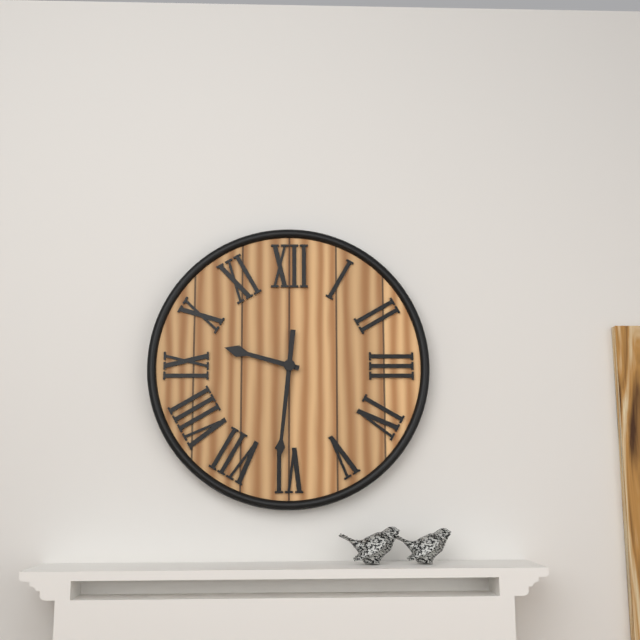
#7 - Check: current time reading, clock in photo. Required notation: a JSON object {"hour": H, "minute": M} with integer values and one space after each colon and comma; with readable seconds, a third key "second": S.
{"hour": 9, "minute": 31}
